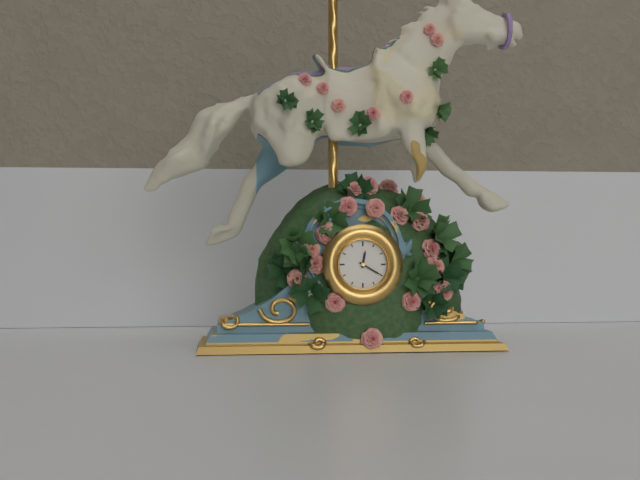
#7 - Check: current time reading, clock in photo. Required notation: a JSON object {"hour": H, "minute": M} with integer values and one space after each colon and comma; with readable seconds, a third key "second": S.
{"hour": 12, "minute": 20}
